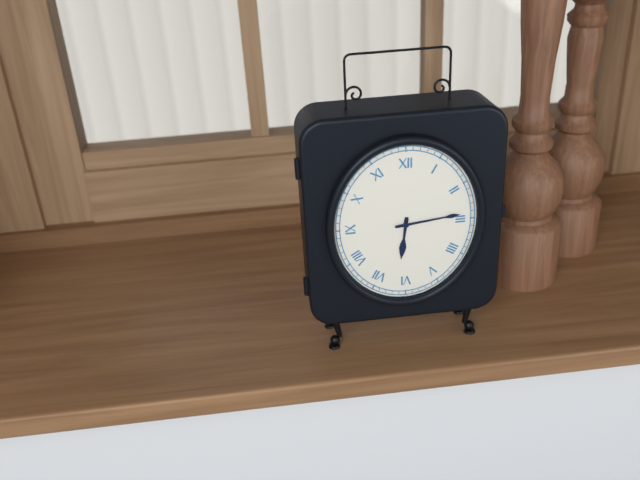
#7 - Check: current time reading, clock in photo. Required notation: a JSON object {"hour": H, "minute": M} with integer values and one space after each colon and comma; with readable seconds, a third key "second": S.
{"hour": 6, "minute": 14}
